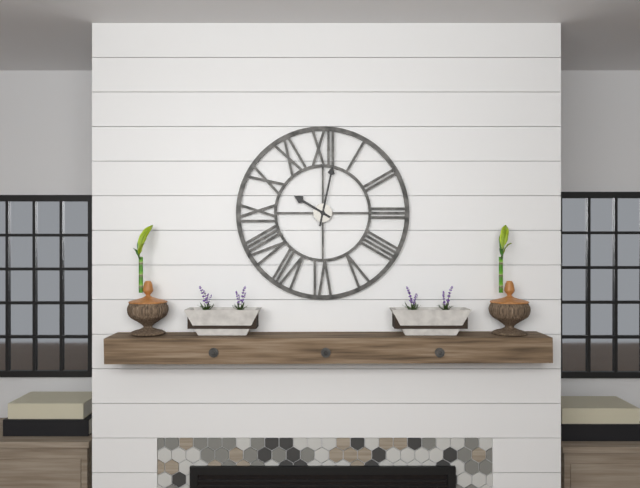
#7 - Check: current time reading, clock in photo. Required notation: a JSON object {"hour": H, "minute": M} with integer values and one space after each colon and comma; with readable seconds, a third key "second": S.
{"hour": 10, "minute": 2}
